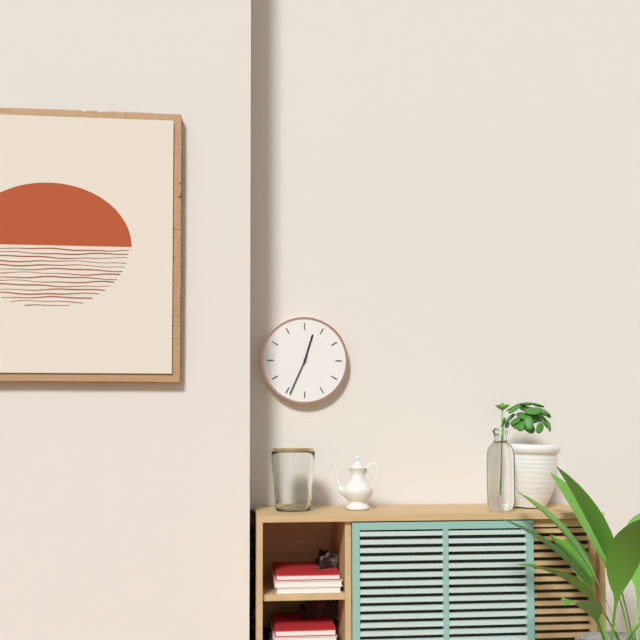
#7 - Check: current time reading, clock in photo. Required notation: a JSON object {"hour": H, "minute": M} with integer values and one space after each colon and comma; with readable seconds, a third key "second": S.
{"hour": 12, "minute": 34}
